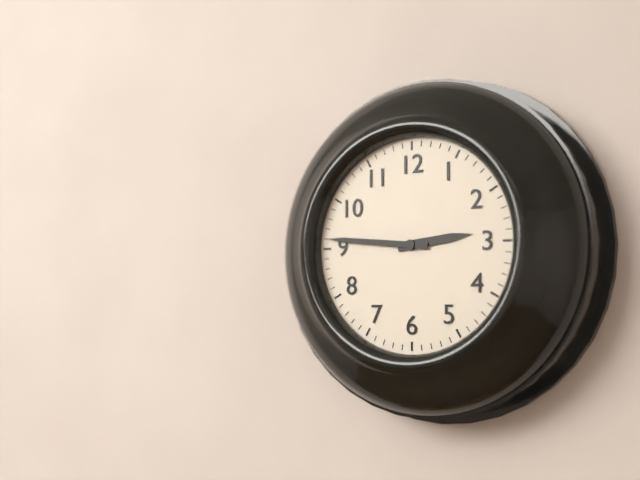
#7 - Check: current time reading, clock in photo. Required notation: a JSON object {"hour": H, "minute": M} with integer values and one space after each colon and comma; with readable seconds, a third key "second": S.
{"hour": 2, "minute": 46}
